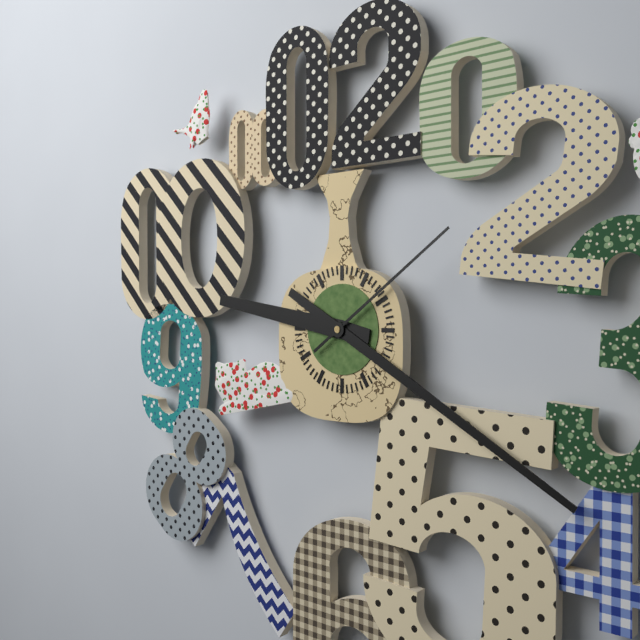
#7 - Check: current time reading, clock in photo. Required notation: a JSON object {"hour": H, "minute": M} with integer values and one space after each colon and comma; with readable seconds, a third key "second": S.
{"hour": 9, "minute": 20, "second": 9}
